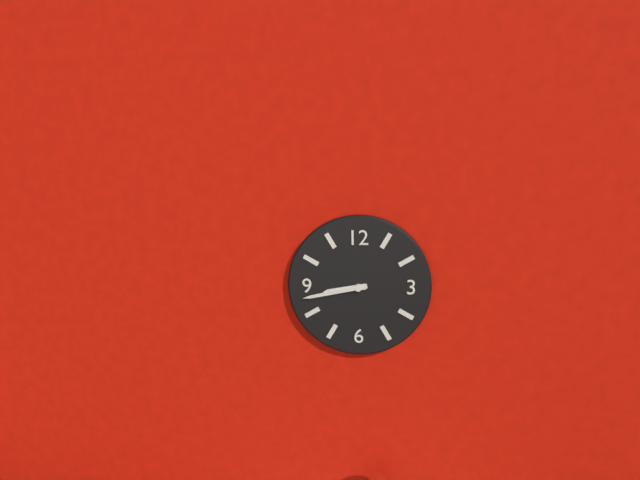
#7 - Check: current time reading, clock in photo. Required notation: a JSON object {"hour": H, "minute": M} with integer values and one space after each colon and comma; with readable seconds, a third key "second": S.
{"hour": 8, "minute": 43}
